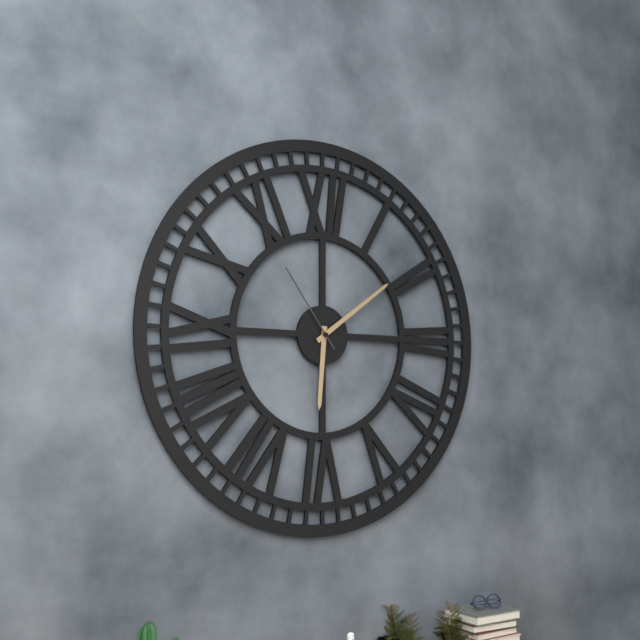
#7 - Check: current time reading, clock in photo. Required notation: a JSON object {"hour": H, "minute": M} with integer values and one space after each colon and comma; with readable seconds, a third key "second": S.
{"hour": 6, "minute": 9, "second": 54}
